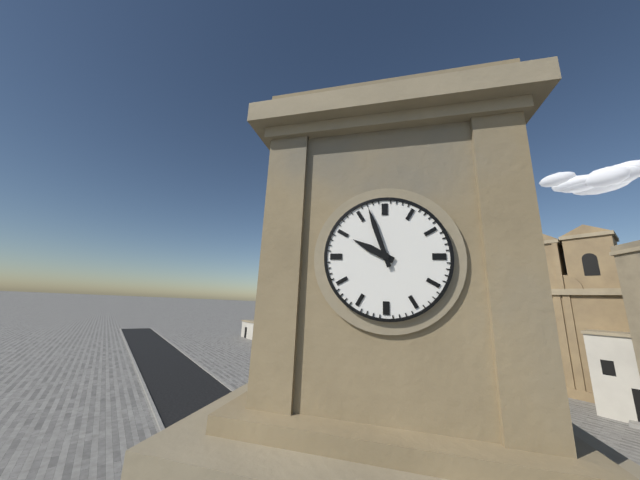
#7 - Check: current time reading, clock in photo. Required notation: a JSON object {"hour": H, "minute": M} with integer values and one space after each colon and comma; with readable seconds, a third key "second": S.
{"hour": 9, "minute": 57}
